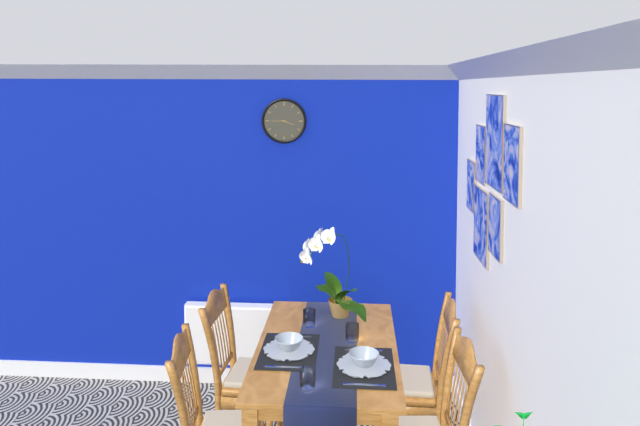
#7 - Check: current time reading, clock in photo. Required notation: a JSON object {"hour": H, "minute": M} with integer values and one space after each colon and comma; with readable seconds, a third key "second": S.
{"hour": 3, "minute": 45}
